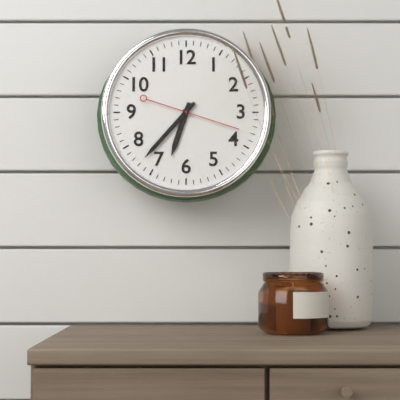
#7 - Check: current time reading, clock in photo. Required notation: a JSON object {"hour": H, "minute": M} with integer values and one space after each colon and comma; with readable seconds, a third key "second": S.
{"hour": 6, "minute": 37, "second": 18}
